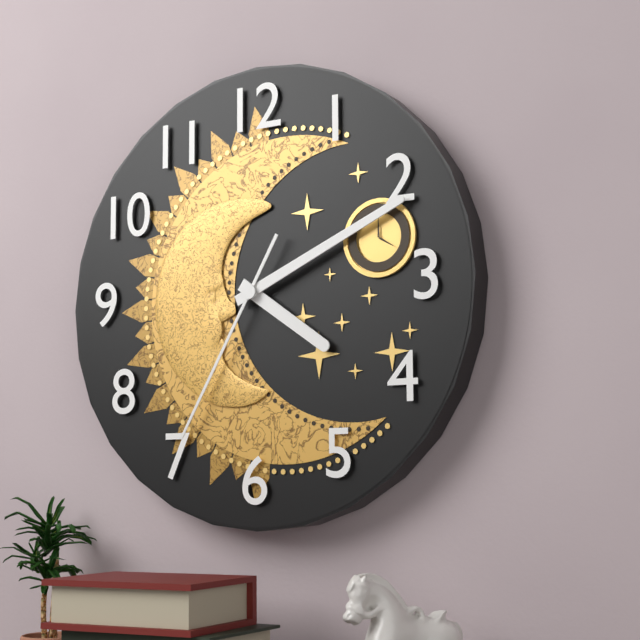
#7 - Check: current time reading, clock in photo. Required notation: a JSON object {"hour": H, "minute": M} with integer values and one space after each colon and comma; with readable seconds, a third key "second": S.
{"hour": 4, "minute": 11, "second": 35}
